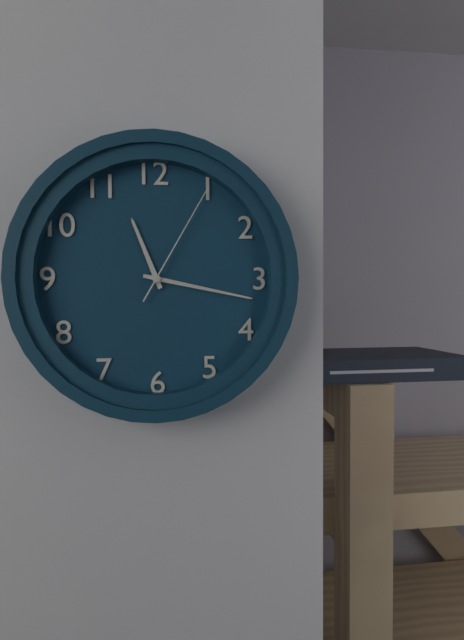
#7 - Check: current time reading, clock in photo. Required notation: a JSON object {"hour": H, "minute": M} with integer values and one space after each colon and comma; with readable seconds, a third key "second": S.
{"hour": 11, "minute": 17, "second": 5}
